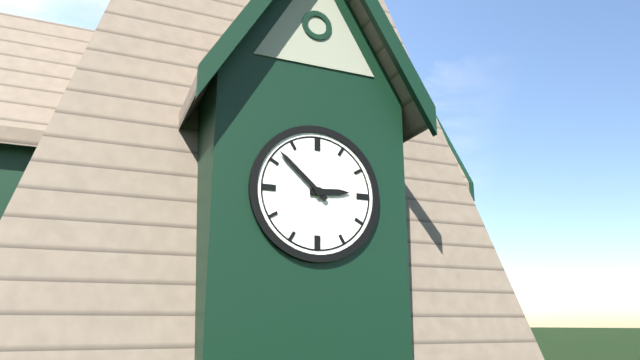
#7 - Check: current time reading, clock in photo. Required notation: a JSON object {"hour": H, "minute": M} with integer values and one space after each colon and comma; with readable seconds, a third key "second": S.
{"hour": 2, "minute": 52}
